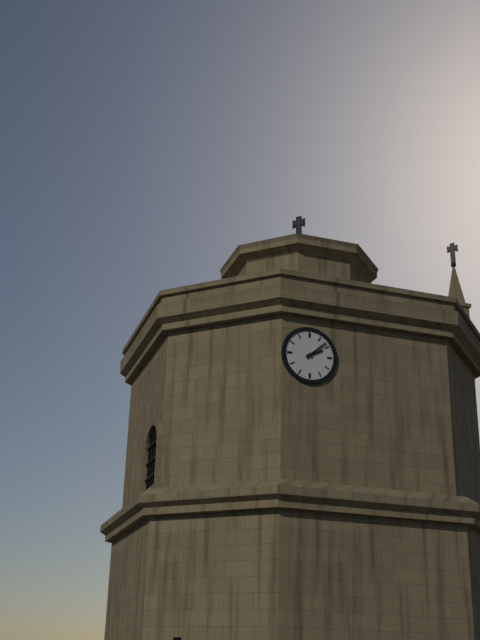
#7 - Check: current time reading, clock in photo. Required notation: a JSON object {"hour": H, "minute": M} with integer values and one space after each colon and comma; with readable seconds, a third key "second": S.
{"hour": 2, "minute": 8}
